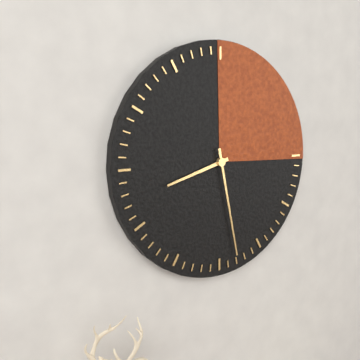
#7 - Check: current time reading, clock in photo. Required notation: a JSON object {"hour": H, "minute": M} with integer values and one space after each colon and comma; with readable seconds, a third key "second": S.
{"hour": 8, "minute": 28}
